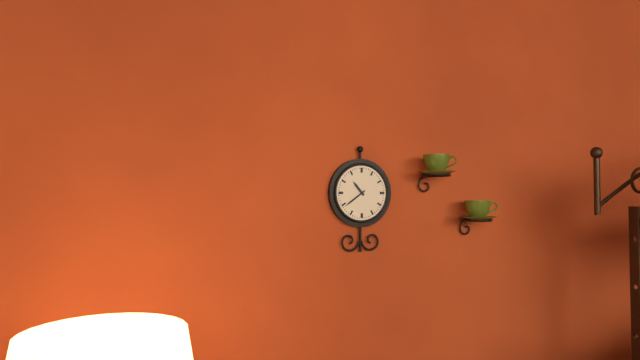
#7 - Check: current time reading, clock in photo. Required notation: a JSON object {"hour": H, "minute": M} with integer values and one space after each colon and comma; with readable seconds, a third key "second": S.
{"hour": 10, "minute": 39}
